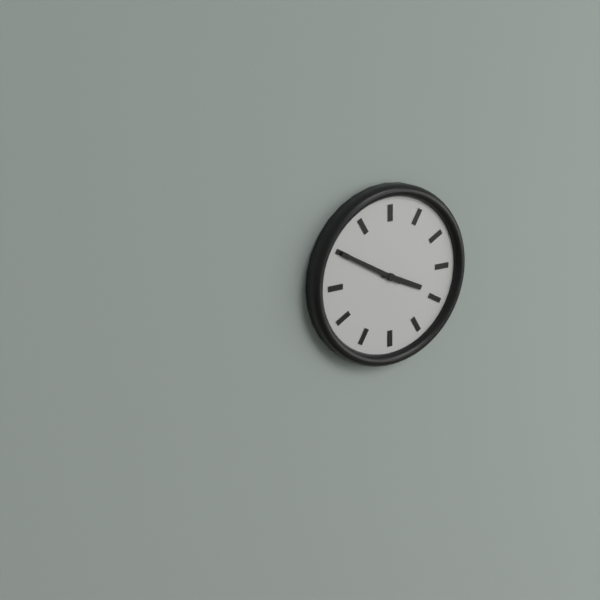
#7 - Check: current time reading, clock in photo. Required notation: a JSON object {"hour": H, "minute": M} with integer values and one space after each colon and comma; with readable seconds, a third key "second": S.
{"hour": 3, "minute": 50}
